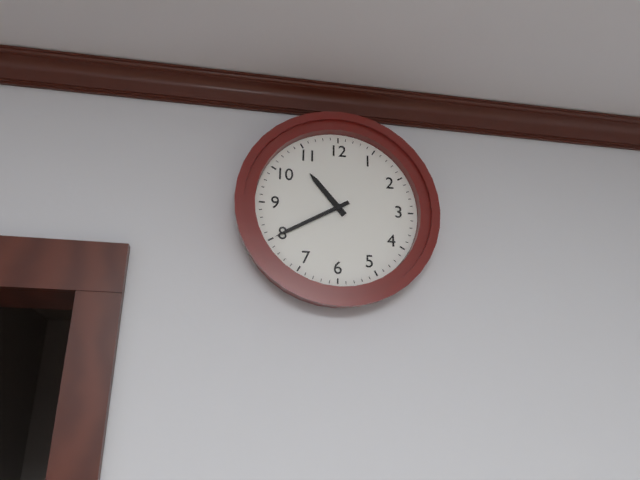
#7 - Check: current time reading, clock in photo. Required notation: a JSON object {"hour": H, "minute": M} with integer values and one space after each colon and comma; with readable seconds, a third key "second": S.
{"hour": 10, "minute": 40}
